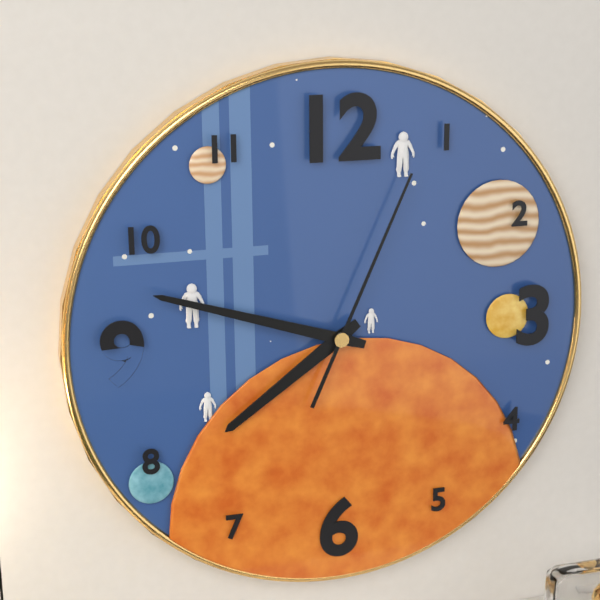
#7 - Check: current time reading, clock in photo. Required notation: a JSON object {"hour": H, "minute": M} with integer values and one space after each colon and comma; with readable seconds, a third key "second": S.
{"hour": 7, "minute": 48, "second": 4}
